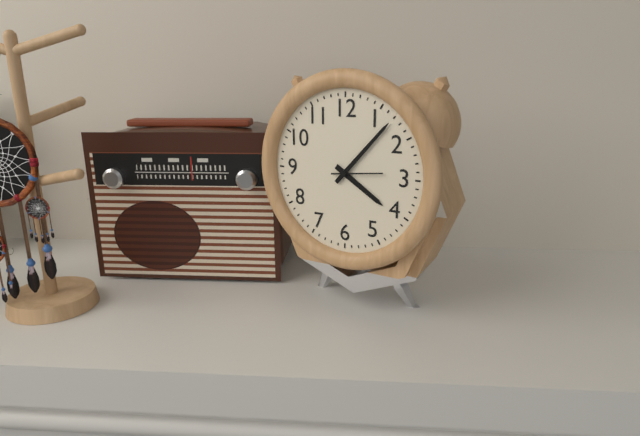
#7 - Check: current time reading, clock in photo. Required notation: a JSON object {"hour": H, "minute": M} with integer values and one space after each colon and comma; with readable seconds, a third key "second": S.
{"hour": 4, "minute": 7}
